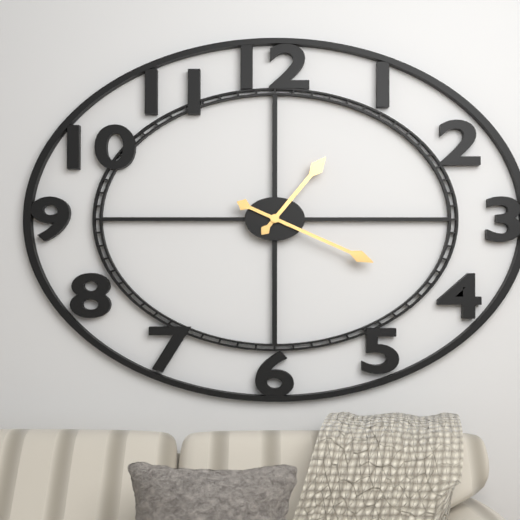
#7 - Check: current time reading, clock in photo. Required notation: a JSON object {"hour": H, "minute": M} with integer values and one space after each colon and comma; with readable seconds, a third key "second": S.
{"hour": 1, "minute": 19}
